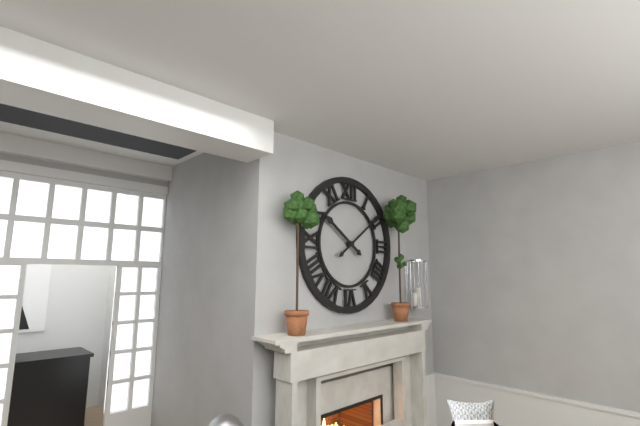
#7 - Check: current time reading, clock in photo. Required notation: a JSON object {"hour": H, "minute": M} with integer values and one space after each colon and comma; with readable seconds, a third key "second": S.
{"hour": 10, "minute": 9}
